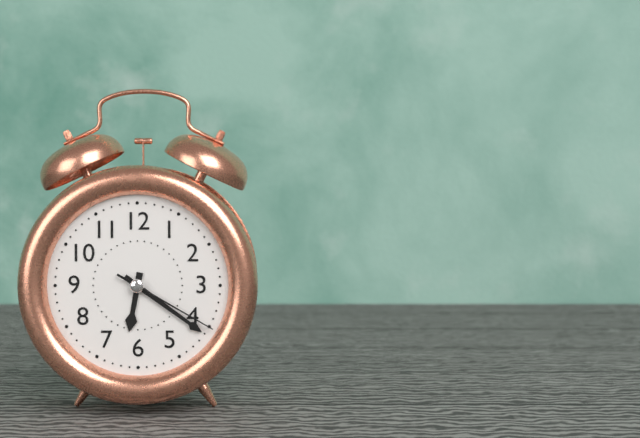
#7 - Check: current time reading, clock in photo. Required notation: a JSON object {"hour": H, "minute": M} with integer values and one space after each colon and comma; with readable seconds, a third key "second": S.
{"hour": 6, "minute": 21, "second": 20}
